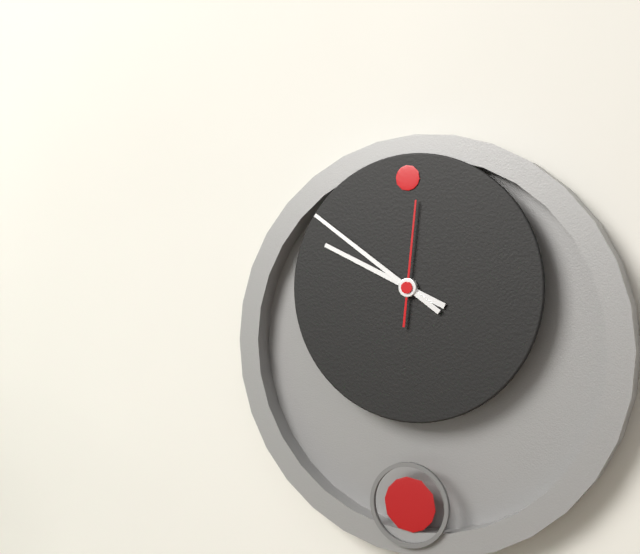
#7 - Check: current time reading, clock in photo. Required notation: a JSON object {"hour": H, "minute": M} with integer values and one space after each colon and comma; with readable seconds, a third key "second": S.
{"hour": 9, "minute": 51, "second": 1}
